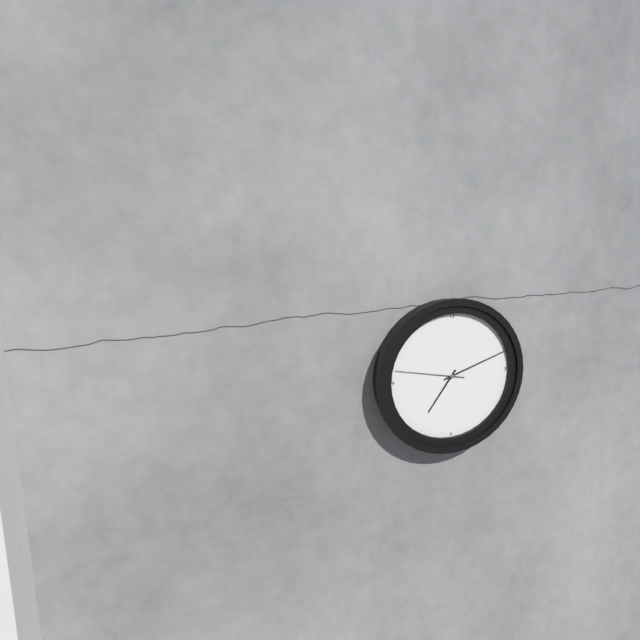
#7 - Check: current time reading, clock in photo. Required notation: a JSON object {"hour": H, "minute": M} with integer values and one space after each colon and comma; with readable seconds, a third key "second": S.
{"hour": 7, "minute": 12, "second": 47}
